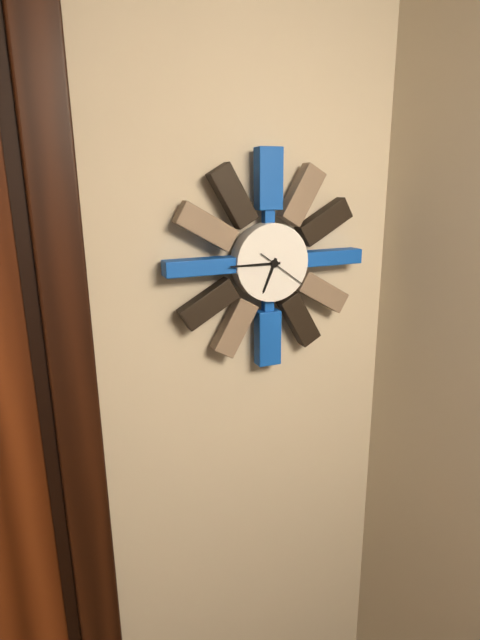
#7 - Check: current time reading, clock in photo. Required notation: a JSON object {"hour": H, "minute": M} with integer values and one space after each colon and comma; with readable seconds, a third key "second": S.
{"hour": 6, "minute": 45}
